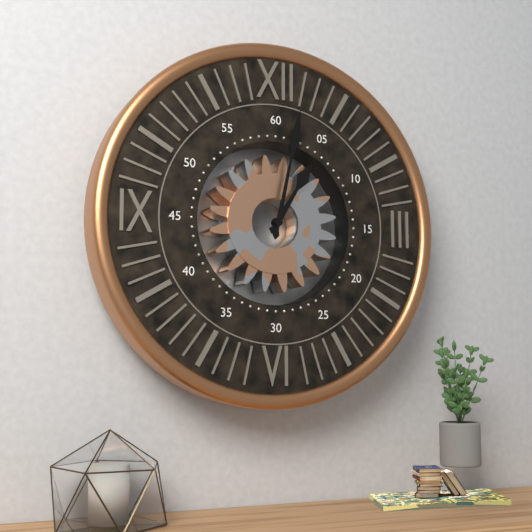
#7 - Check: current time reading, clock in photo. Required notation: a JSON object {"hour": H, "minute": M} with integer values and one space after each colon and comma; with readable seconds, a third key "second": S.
{"hour": 1, "minute": 2}
